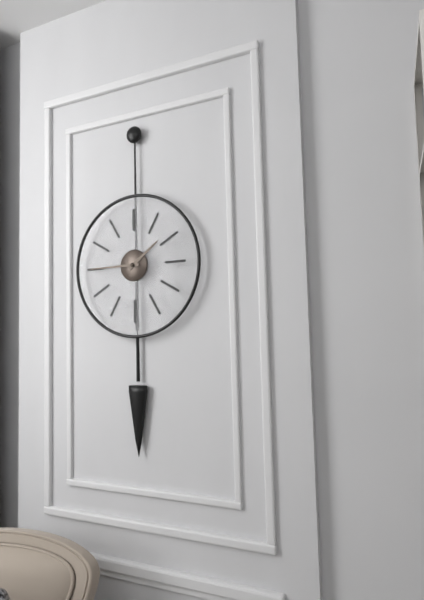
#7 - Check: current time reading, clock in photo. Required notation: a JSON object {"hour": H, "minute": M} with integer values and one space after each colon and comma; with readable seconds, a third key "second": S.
{"hour": 1, "minute": 45}
